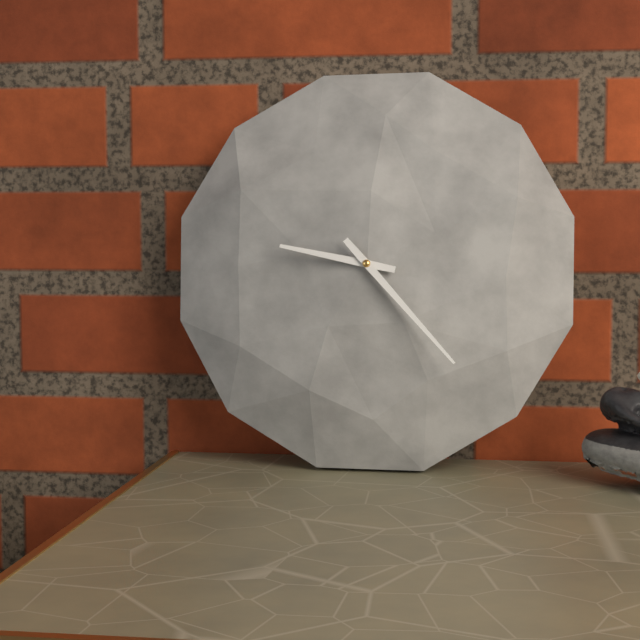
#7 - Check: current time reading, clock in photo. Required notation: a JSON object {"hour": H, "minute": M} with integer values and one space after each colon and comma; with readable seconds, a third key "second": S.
{"hour": 9, "minute": 23}
